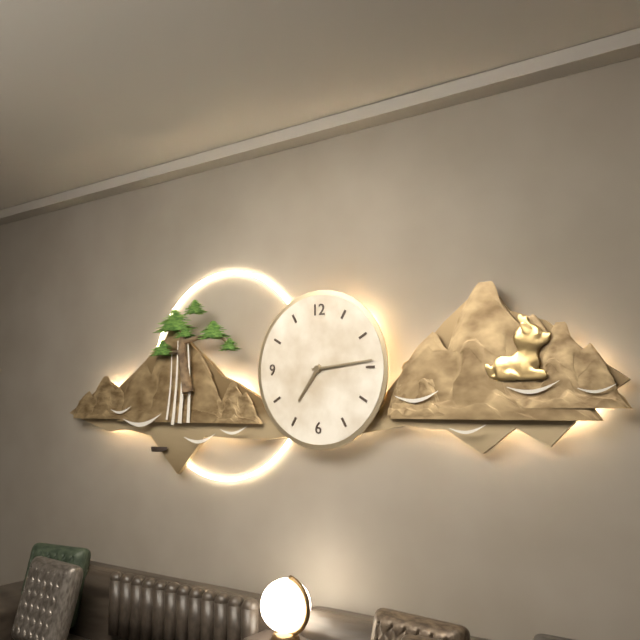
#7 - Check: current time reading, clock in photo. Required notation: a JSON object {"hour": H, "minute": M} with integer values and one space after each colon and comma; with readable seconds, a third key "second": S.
{"hour": 7, "minute": 14}
